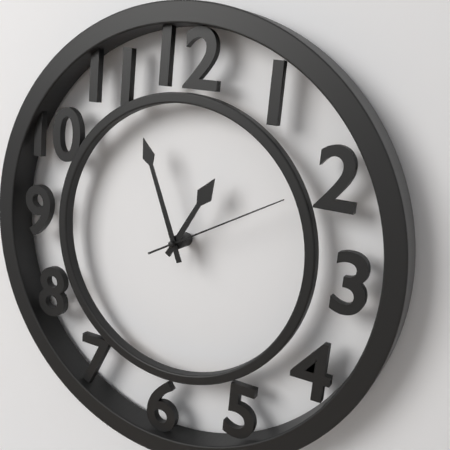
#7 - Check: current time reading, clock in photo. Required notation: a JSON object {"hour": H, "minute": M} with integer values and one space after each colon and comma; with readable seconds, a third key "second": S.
{"hour": 12, "minute": 56, "second": 10}
